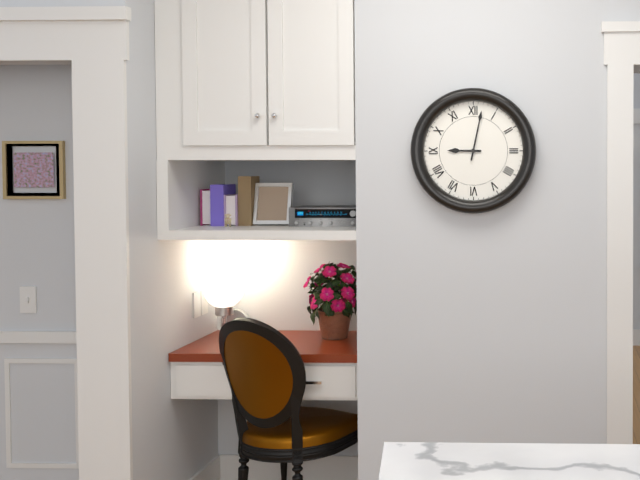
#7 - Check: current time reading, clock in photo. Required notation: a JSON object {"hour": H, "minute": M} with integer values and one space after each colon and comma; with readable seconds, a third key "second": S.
{"hour": 9, "minute": 2}
